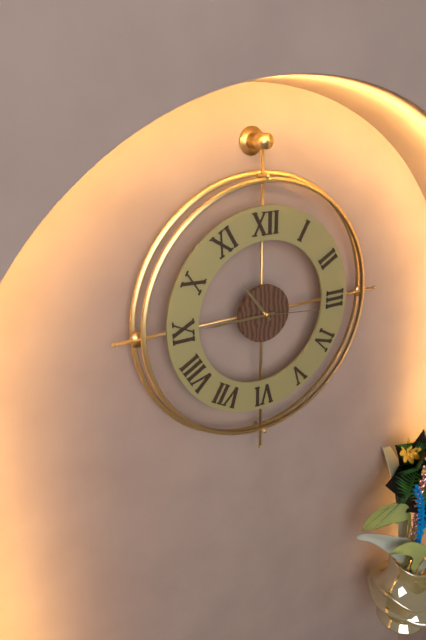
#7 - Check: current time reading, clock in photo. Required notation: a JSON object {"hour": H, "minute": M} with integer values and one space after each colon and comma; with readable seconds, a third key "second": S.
{"hour": 10, "minute": 45, "second": 16}
